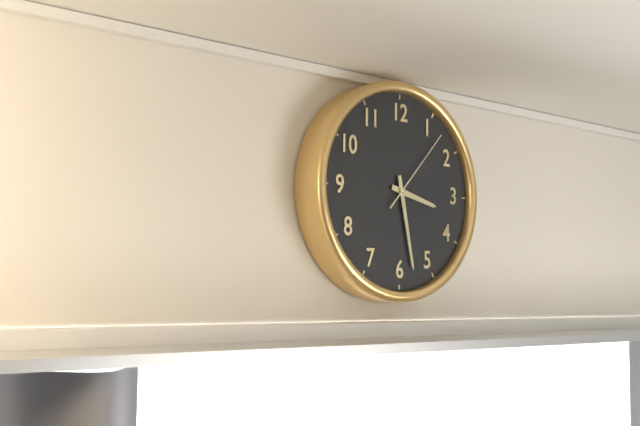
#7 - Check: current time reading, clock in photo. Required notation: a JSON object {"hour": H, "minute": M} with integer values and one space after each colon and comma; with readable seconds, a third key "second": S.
{"hour": 3, "minute": 28, "second": 7}
